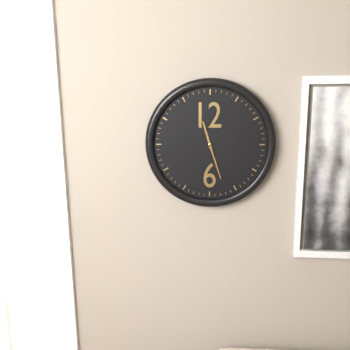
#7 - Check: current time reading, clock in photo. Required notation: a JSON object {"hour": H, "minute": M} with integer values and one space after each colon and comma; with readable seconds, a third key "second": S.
{"hour": 11, "minute": 27}
